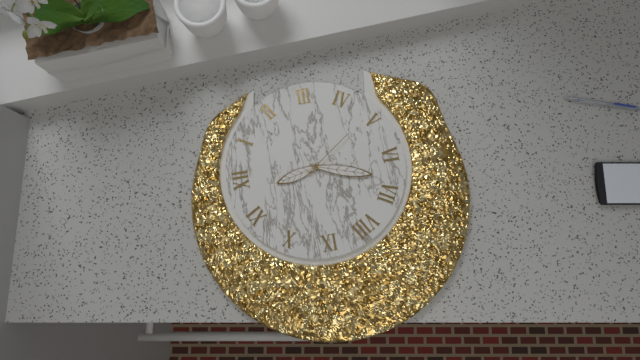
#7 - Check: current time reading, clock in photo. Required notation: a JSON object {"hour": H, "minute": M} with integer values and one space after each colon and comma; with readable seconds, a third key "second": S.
{"hour": 11, "minute": 33, "second": 24}
